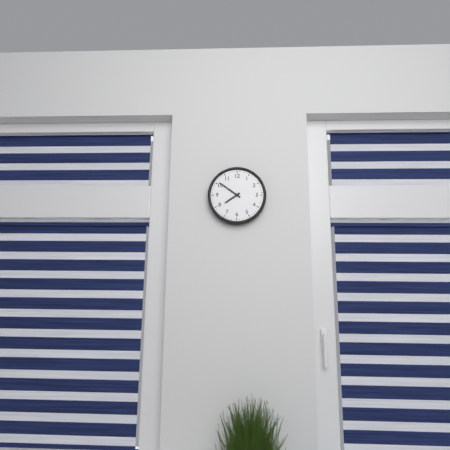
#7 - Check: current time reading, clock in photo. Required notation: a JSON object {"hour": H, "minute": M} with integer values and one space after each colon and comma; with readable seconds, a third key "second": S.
{"hour": 7, "minute": 51}
